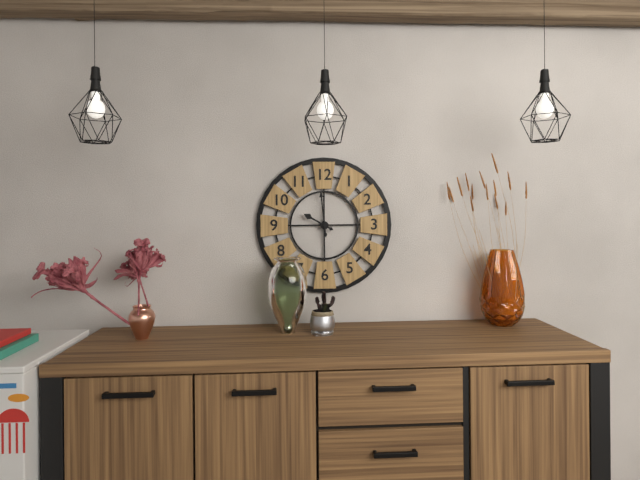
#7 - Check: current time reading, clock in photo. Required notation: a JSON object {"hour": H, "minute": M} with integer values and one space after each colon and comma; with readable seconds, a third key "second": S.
{"hour": 9, "minute": 59}
